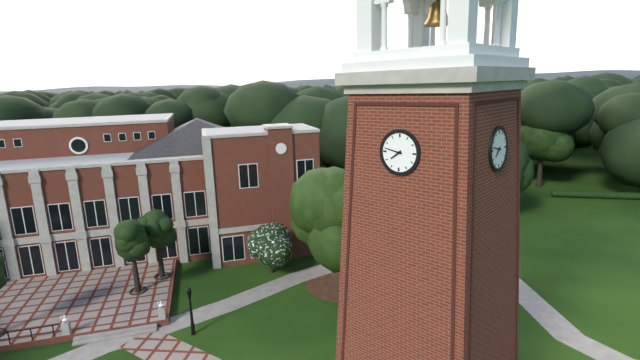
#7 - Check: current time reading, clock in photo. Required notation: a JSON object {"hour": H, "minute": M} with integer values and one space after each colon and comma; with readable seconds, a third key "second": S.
{"hour": 7, "minute": 47}
